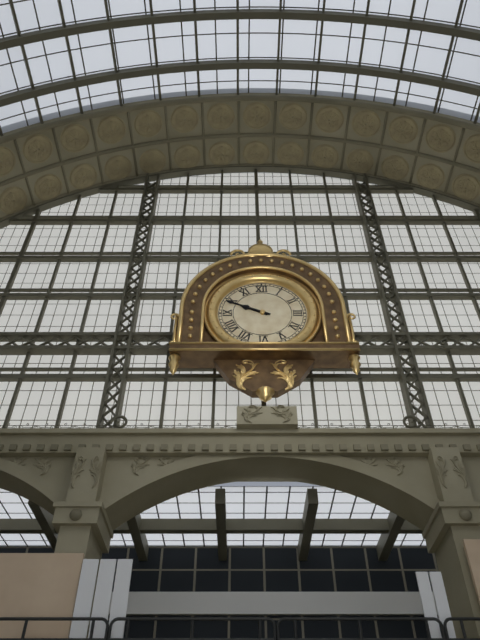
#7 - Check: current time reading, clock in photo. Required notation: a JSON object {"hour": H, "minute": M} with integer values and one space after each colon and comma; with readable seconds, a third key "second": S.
{"hour": 9, "minute": 49}
